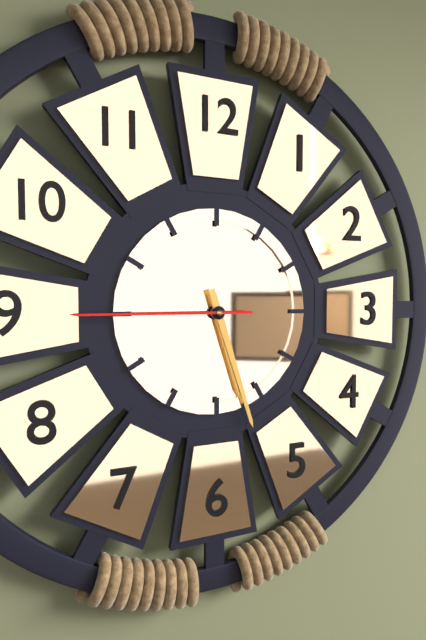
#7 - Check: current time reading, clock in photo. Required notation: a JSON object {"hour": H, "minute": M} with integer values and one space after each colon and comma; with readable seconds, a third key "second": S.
{"hour": 5, "minute": 27, "second": 45}
